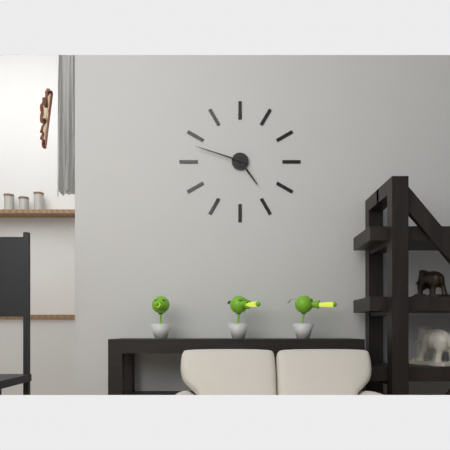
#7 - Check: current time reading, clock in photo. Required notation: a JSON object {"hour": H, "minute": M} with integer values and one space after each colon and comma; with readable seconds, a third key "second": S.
{"hour": 4, "minute": 48}
